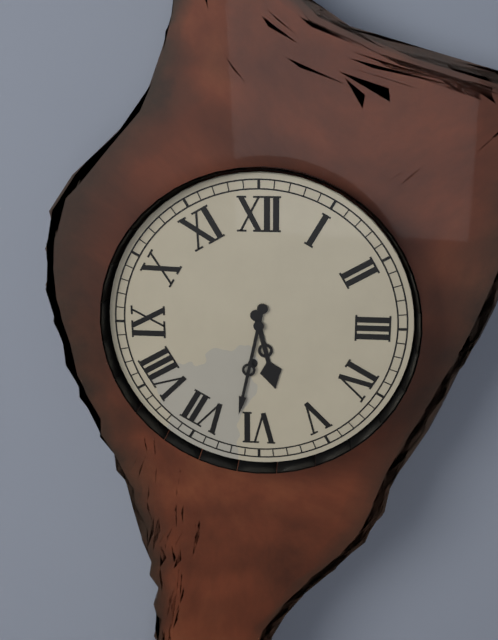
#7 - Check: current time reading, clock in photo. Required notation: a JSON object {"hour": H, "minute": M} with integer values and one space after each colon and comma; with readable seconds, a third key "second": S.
{"hour": 5, "minute": 32}
